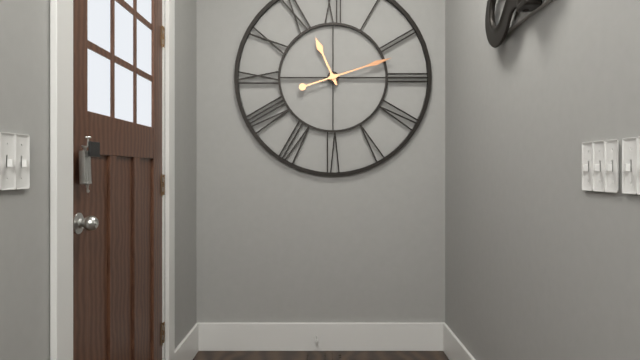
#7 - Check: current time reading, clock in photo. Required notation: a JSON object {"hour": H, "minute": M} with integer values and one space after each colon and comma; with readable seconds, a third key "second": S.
{"hour": 11, "minute": 12}
